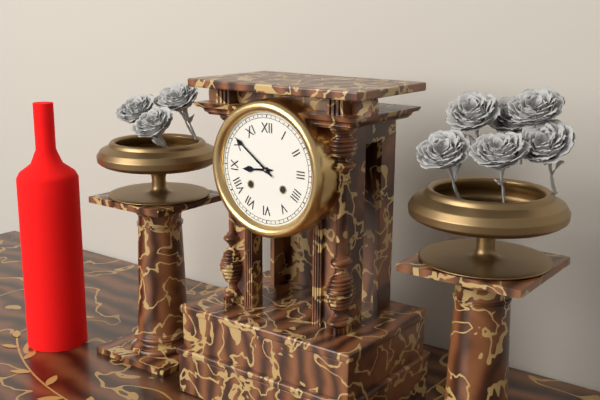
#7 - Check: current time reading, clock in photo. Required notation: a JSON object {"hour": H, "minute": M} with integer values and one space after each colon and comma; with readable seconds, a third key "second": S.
{"hour": 8, "minute": 51}
